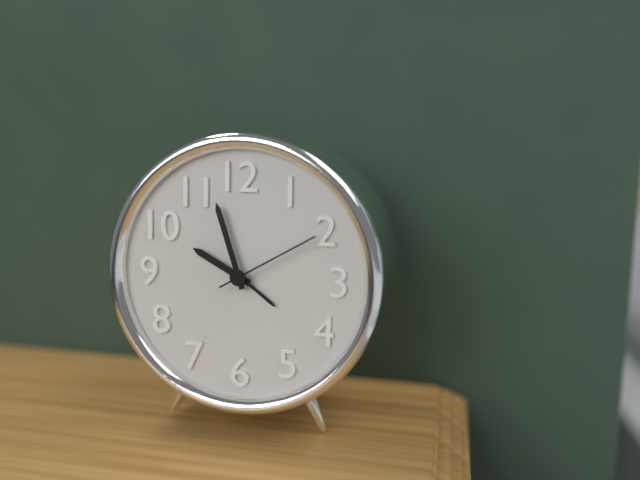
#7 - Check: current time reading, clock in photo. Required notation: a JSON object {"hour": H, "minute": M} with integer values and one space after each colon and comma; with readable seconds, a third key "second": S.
{"hour": 9, "minute": 57, "second": 10}
